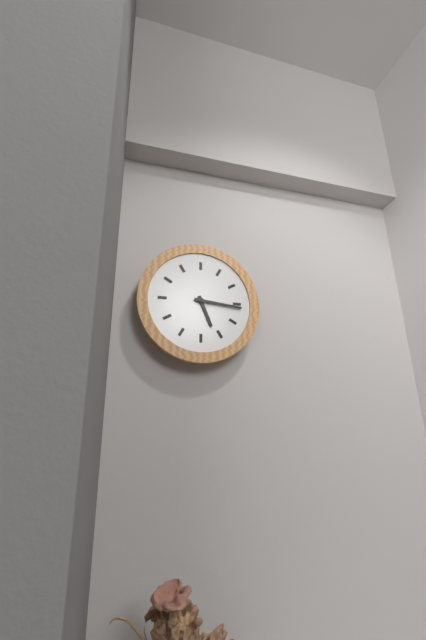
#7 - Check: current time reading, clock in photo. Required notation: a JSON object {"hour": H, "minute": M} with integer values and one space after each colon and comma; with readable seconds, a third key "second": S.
{"hour": 5, "minute": 16}
